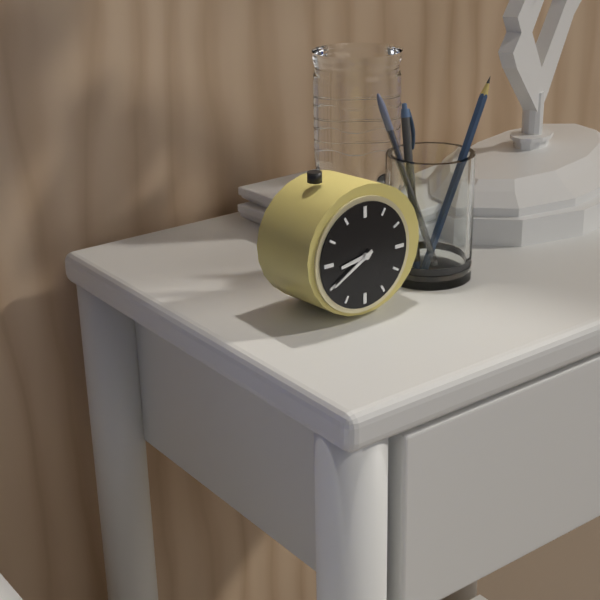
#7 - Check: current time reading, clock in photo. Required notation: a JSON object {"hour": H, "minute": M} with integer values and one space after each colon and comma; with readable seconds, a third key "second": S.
{"hour": 8, "minute": 40}
